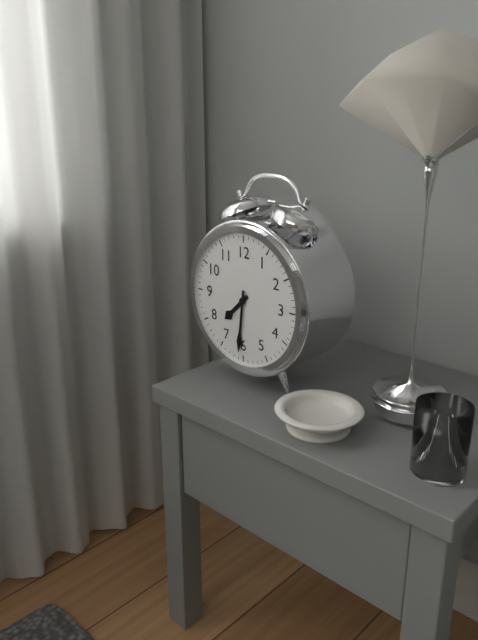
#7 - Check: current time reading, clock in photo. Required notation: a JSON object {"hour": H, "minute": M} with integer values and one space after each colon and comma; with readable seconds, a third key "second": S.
{"hour": 7, "minute": 31}
